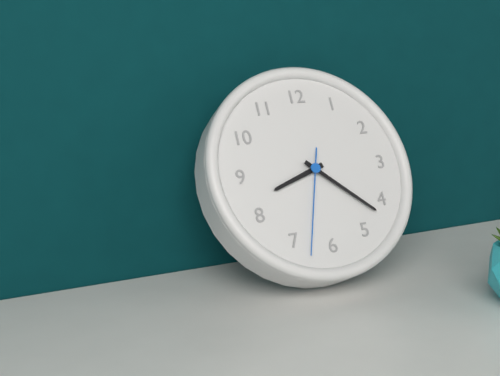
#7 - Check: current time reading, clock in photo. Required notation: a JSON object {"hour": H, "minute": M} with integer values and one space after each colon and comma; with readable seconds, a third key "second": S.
{"hour": 8, "minute": 22, "second": 33}
